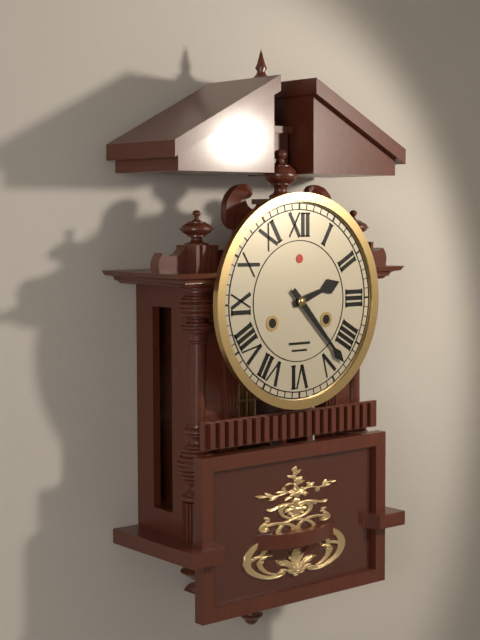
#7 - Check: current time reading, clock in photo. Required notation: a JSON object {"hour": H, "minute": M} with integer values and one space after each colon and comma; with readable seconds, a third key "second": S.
{"hour": 2, "minute": 23}
